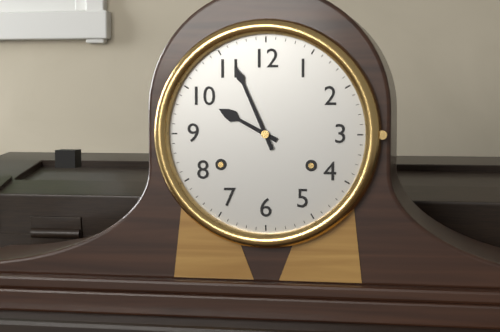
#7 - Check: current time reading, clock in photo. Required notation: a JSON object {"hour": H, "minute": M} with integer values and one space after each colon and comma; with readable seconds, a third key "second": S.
{"hour": 9, "minute": 56}
